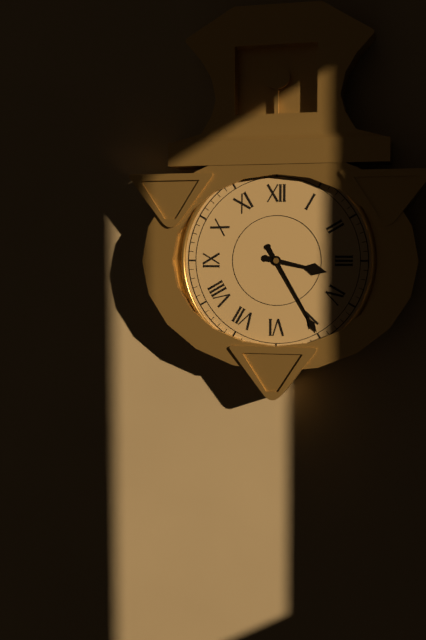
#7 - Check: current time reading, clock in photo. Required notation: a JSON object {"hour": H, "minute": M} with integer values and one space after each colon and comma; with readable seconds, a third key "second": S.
{"hour": 3, "minute": 25}
